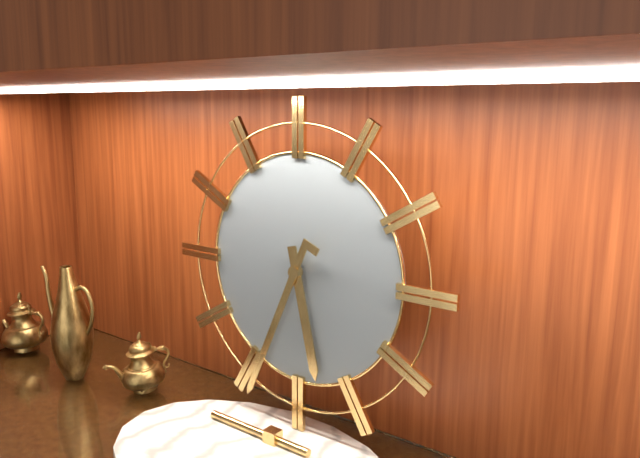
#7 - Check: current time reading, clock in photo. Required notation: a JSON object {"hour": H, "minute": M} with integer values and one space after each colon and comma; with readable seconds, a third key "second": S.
{"hour": 5, "minute": 34}
